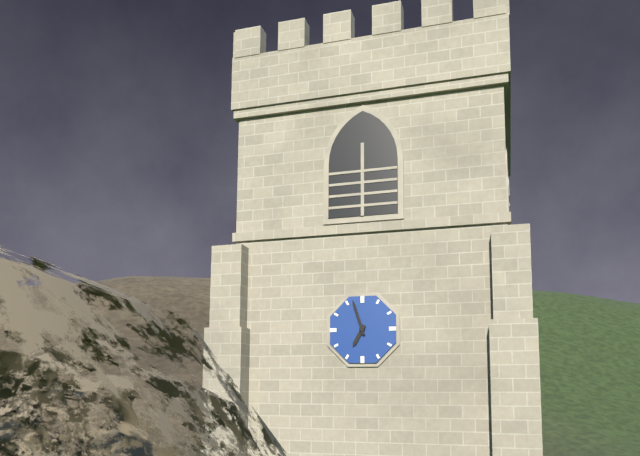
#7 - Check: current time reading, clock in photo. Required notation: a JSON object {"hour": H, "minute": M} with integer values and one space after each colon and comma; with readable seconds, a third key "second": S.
{"hour": 6, "minute": 57}
